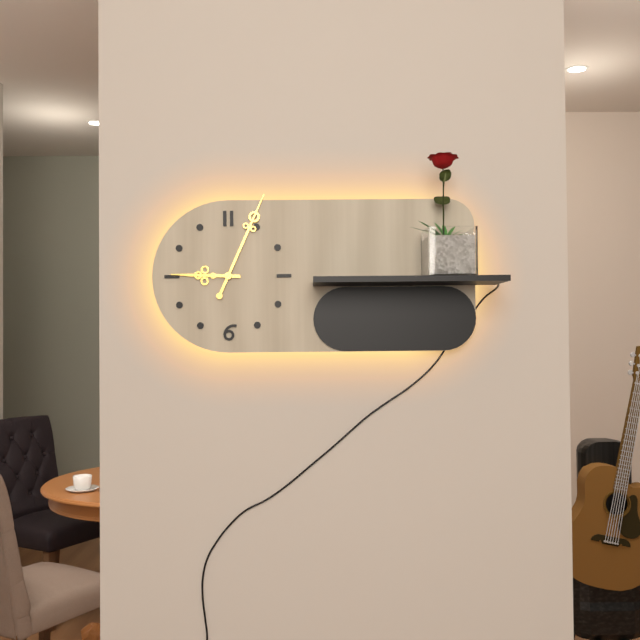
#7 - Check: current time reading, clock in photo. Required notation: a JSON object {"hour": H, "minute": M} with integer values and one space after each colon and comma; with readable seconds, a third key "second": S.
{"hour": 9, "minute": 4}
